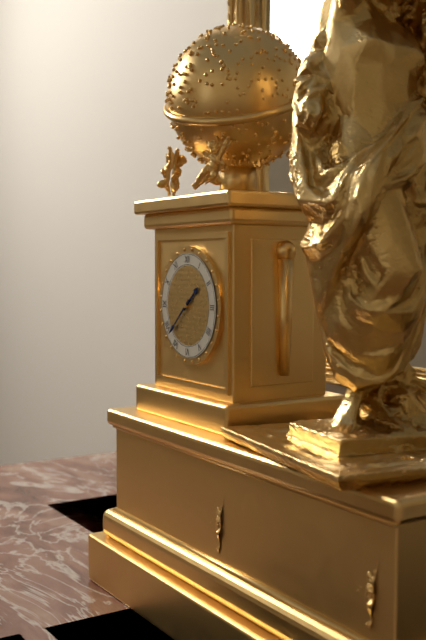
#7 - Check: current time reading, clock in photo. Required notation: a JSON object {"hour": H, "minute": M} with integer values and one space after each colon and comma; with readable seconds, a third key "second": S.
{"hour": 1, "minute": 38}
